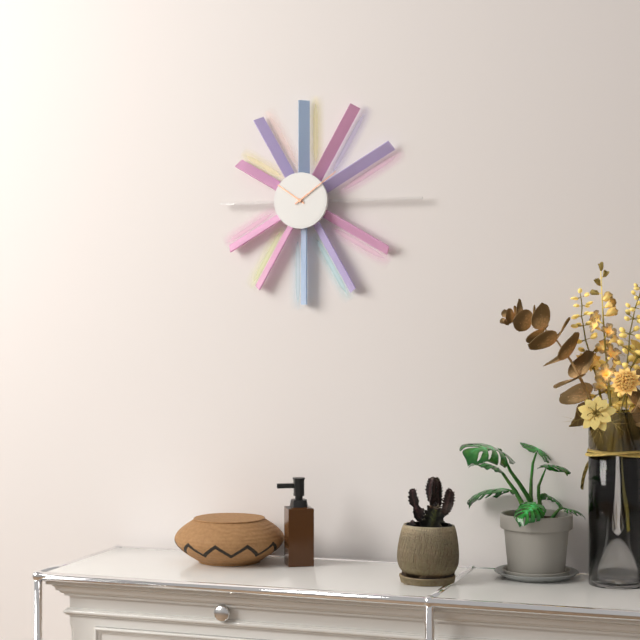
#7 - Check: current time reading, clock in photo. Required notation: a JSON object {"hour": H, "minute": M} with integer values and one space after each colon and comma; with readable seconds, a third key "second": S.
{"hour": 10, "minute": 9}
